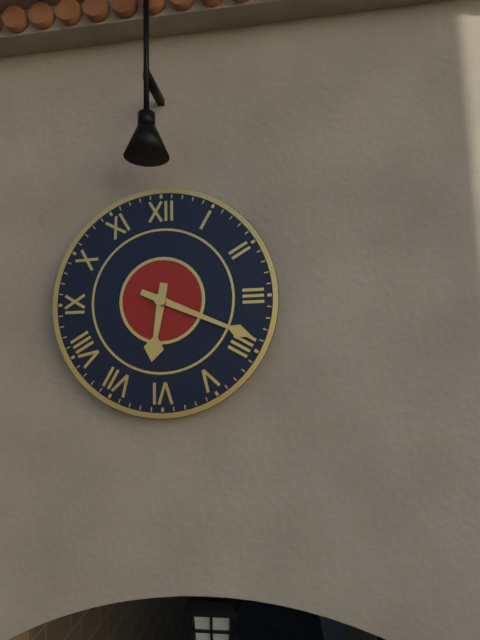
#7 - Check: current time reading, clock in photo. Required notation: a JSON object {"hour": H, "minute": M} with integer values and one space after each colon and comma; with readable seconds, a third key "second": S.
{"hour": 6, "minute": 19}
